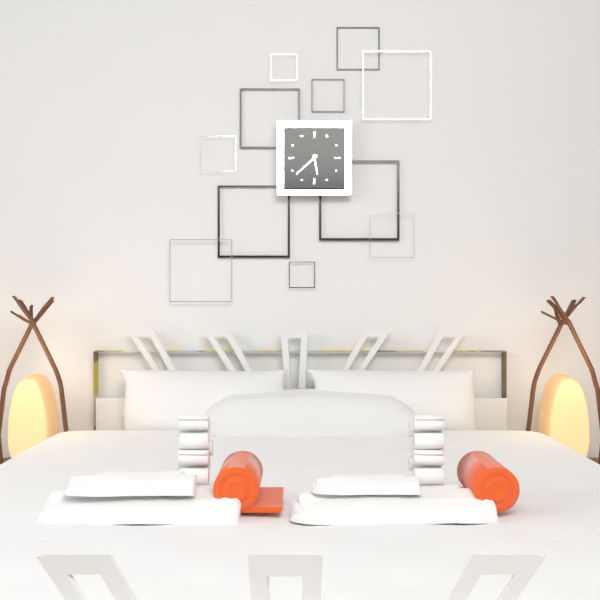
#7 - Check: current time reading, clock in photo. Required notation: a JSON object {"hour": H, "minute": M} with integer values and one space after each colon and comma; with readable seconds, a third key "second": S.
{"hour": 5, "minute": 38}
